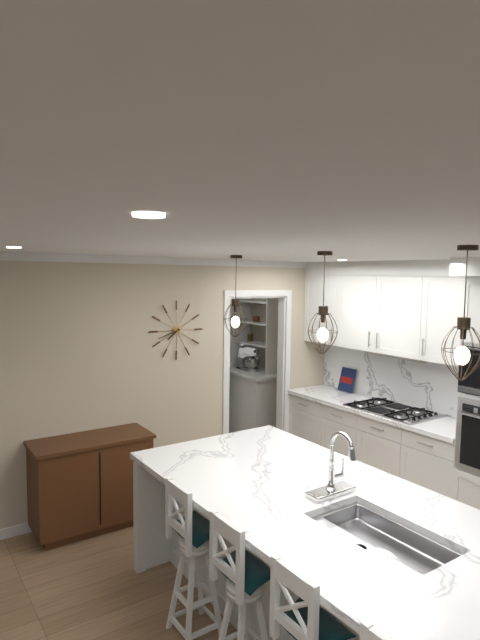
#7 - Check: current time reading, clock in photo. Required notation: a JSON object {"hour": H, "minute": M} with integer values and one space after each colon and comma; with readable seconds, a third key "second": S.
{"hour": 7, "minute": 42}
